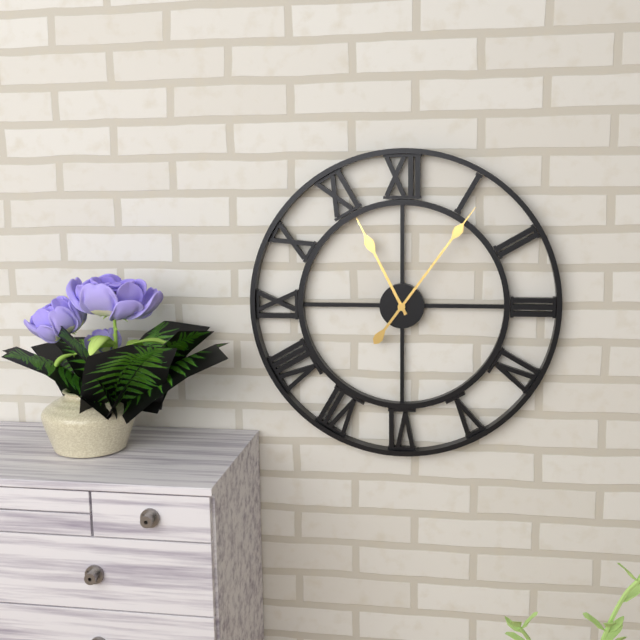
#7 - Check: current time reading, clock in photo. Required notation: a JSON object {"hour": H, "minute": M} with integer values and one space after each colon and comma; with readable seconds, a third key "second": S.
{"hour": 11, "minute": 6}
